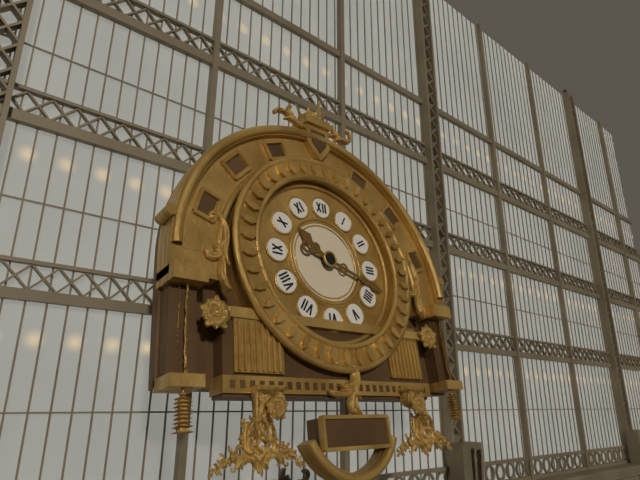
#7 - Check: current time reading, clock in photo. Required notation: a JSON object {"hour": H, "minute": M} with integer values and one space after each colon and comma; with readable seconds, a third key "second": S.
{"hour": 10, "minute": 18}
